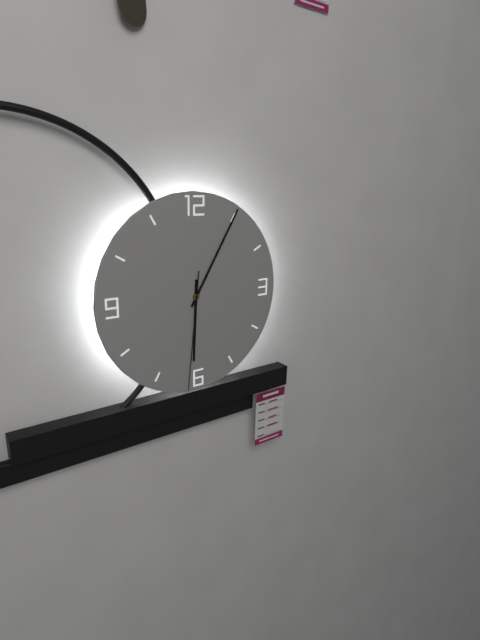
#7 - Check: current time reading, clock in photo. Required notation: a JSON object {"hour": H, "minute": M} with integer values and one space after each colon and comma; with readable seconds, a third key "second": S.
{"hour": 6, "minute": 5, "second": 31}
